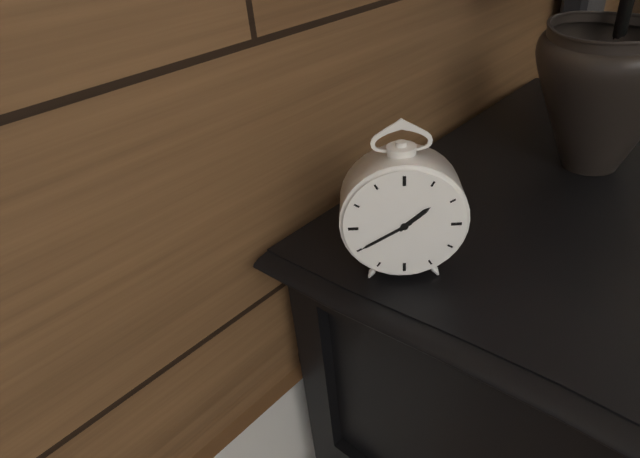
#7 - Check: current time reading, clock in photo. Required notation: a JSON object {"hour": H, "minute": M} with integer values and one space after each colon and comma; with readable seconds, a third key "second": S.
{"hour": 1, "minute": 40}
